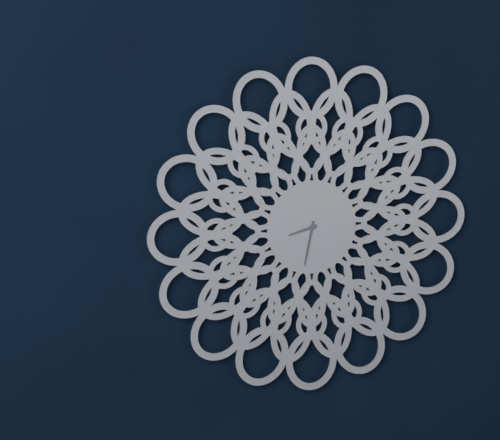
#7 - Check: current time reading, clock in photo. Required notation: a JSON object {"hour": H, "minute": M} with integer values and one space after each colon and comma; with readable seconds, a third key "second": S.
{"hour": 8, "minute": 32}
